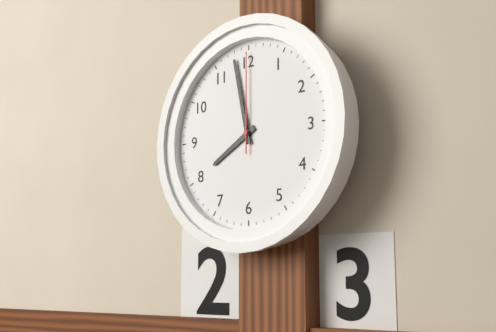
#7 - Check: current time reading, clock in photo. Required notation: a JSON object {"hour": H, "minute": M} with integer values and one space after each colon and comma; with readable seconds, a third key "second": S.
{"hour": 7, "minute": 58, "second": 0}
